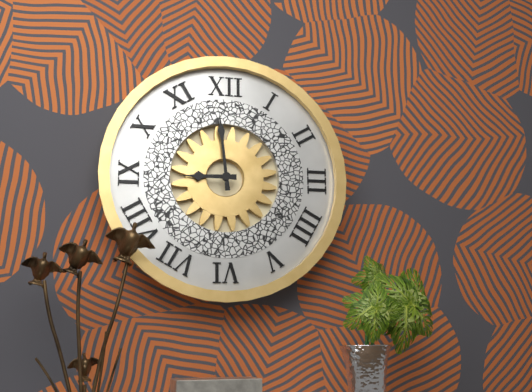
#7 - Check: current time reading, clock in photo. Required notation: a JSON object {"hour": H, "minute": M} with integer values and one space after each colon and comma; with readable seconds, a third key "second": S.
{"hour": 8, "minute": 59}
